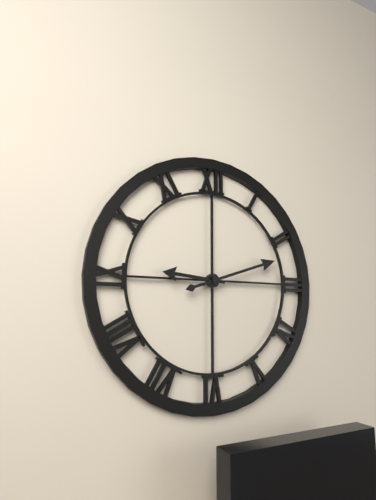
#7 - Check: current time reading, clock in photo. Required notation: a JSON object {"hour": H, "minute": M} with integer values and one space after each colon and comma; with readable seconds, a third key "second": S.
{"hour": 9, "minute": 12}
